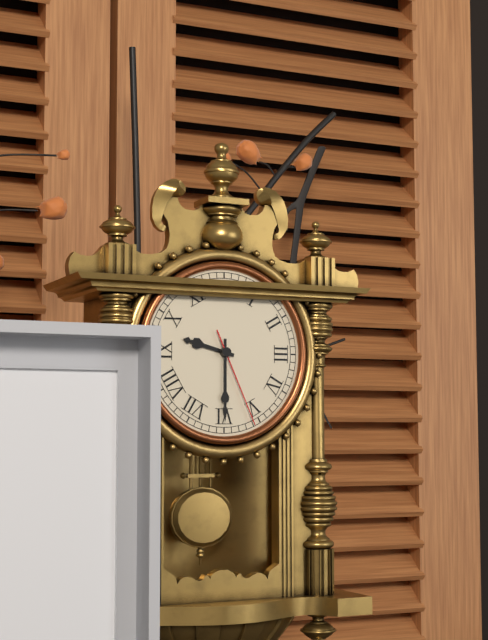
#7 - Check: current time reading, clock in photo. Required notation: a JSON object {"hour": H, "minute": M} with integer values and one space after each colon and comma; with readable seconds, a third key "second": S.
{"hour": 9, "minute": 30, "second": 26}
